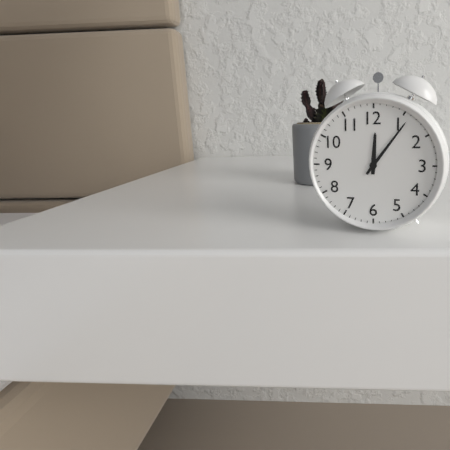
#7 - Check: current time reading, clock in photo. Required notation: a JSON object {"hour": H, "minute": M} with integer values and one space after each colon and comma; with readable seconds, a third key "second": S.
{"hour": 12, "minute": 6}
